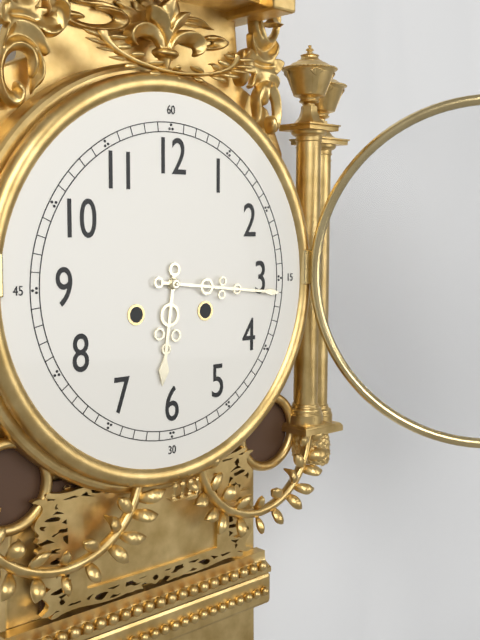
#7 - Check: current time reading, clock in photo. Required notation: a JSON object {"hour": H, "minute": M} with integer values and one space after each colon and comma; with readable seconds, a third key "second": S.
{"hour": 6, "minute": 16}
